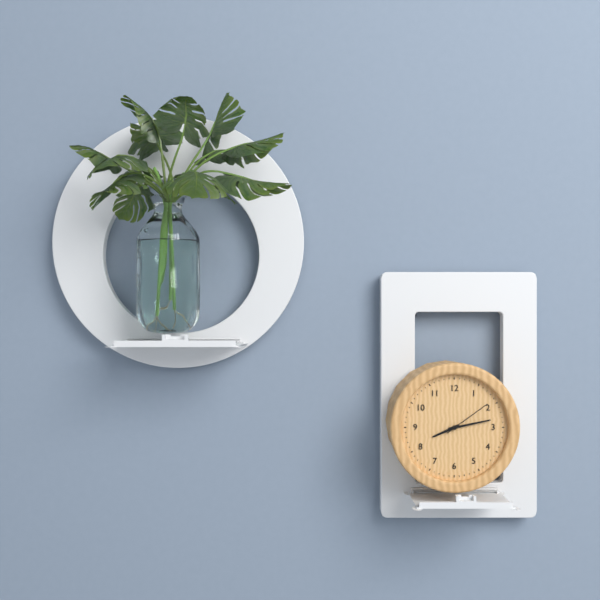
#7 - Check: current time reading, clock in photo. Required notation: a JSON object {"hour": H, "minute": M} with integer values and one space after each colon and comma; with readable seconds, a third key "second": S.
{"hour": 8, "minute": 13, "second": 9}
